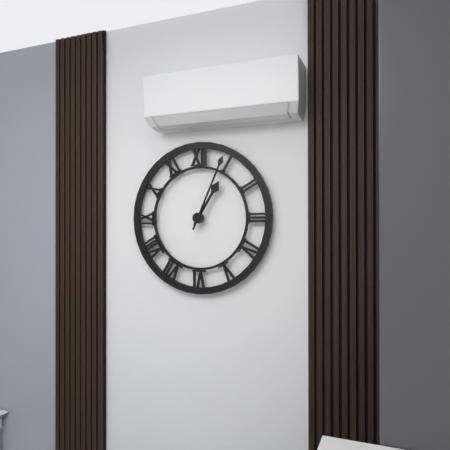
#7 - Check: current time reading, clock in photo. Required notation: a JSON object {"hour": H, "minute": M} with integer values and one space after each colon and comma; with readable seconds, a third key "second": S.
{"hour": 1, "minute": 4}
